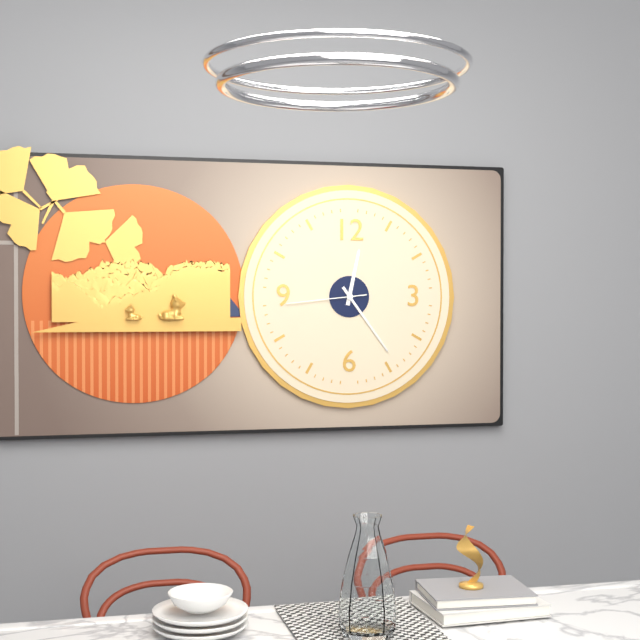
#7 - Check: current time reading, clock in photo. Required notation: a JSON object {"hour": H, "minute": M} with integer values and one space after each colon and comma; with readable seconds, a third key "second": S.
{"hour": 12, "minute": 24, "second": 44}
